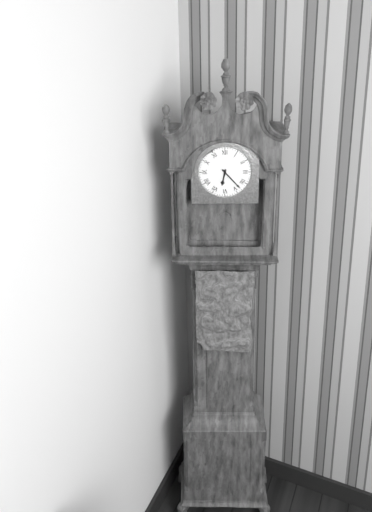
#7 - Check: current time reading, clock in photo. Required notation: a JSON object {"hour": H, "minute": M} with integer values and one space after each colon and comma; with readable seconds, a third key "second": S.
{"hour": 6, "minute": 23}
